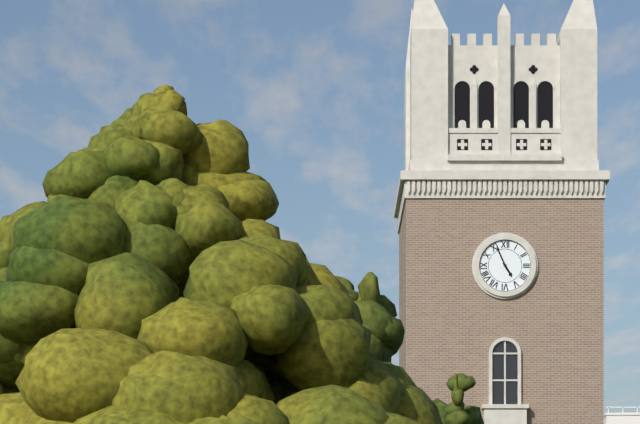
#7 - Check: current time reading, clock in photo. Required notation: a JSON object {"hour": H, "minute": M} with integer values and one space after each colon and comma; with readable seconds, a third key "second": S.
{"hour": 4, "minute": 56}
